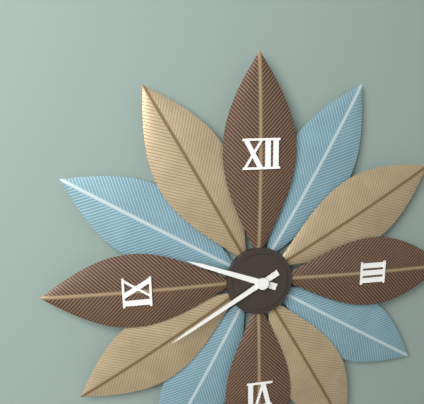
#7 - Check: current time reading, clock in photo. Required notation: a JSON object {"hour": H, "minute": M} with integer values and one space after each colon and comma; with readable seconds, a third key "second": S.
{"hour": 9, "minute": 40}
